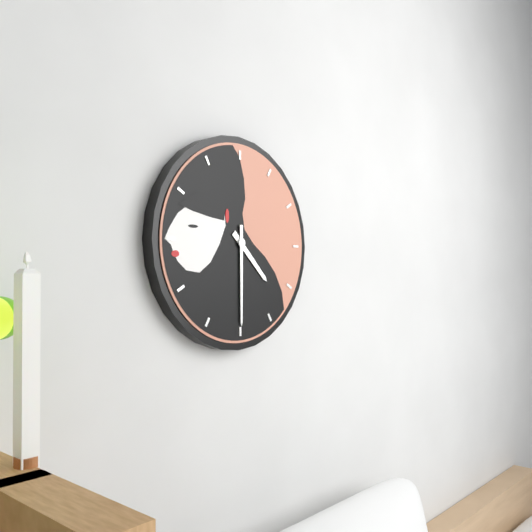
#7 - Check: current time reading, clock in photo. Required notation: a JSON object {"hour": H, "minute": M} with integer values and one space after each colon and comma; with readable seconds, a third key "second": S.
{"hour": 4, "minute": 30}
